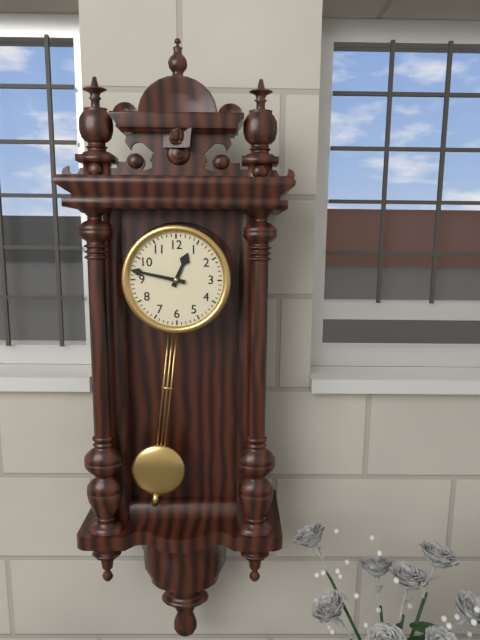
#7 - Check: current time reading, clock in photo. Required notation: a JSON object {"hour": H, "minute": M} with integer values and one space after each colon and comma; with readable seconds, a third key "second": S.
{"hour": 12, "minute": 47}
